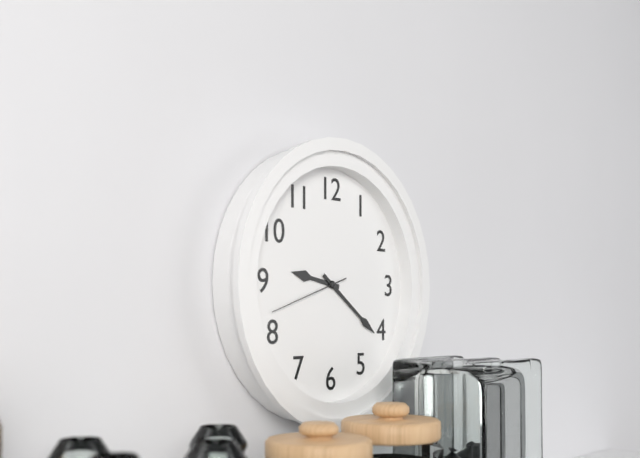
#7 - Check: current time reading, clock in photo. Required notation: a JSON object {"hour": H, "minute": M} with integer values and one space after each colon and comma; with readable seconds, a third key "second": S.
{"hour": 9, "minute": 21, "second": 42}
